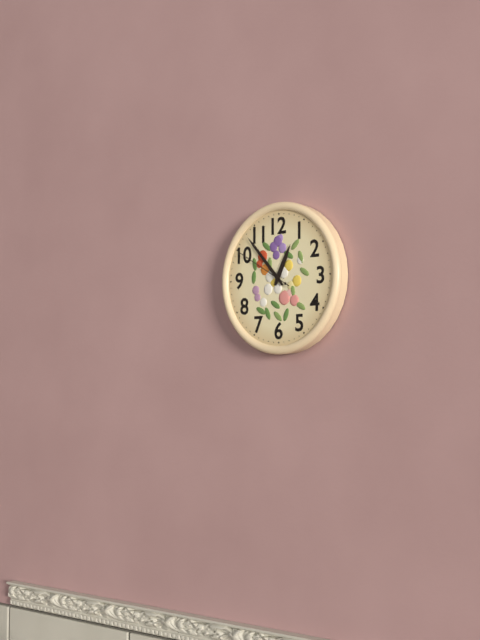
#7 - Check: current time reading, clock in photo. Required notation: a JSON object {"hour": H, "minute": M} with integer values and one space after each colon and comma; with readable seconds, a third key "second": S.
{"hour": 12, "minute": 53, "second": 50}
